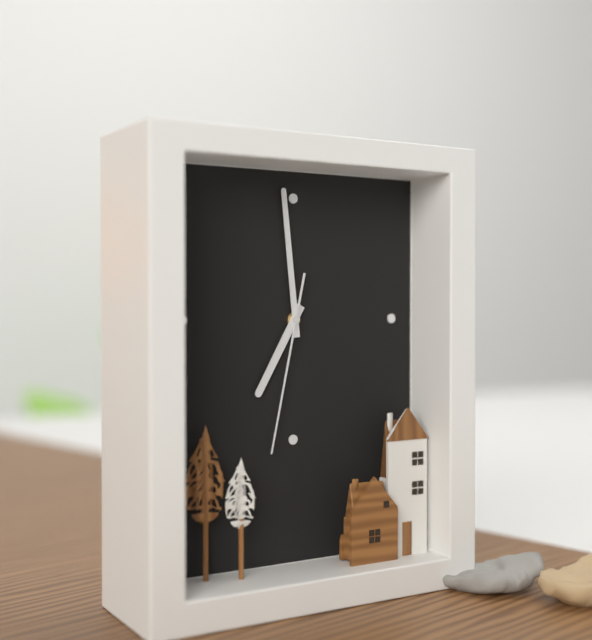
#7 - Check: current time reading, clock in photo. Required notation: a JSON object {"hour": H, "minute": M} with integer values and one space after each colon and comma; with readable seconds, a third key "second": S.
{"hour": 6, "minute": 59, "second": 32}
